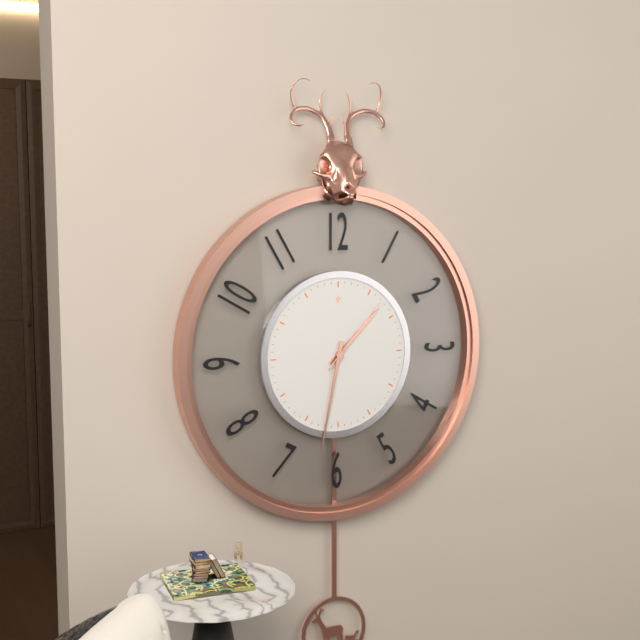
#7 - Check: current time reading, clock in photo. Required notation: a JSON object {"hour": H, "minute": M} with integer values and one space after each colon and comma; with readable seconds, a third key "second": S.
{"hour": 1, "minute": 32, "second": 7}
